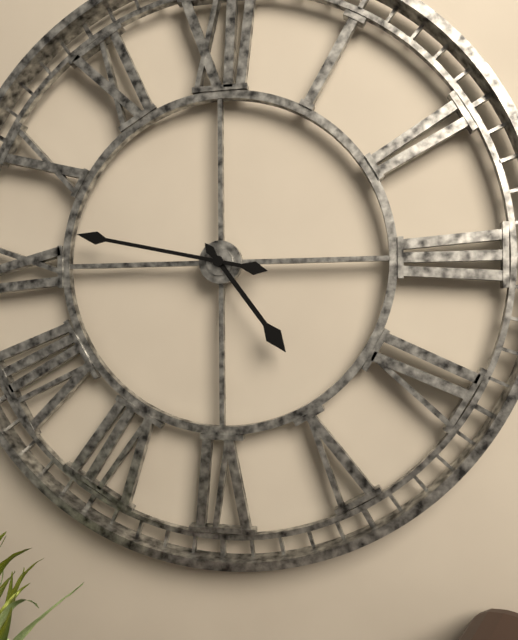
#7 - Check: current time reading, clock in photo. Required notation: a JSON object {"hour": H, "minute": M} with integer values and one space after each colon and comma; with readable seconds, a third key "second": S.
{"hour": 4, "minute": 47}
